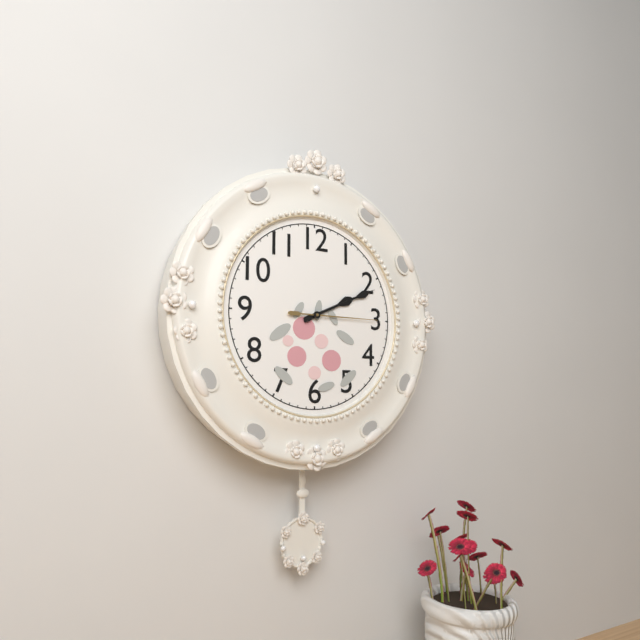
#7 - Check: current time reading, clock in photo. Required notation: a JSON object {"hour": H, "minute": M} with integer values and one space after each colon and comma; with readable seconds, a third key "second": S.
{"hour": 2, "minute": 11, "second": 15}
